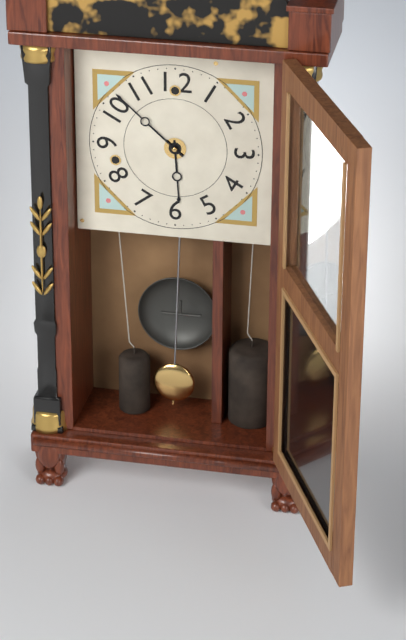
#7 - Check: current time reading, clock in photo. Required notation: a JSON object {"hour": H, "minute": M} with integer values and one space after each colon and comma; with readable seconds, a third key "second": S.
{"hour": 5, "minute": 52}
